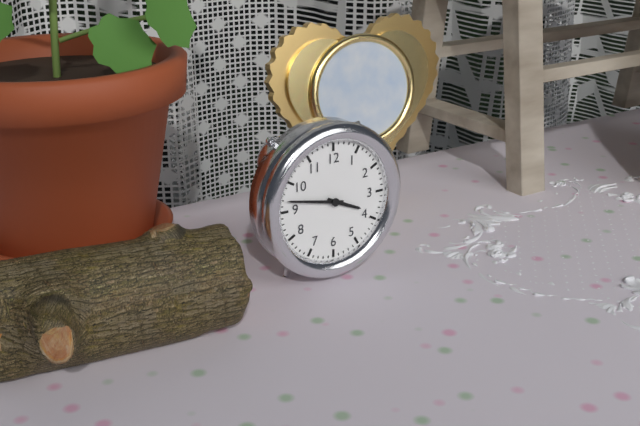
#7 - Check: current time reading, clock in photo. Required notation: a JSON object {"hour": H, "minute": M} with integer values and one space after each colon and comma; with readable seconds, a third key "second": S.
{"hour": 3, "minute": 47}
